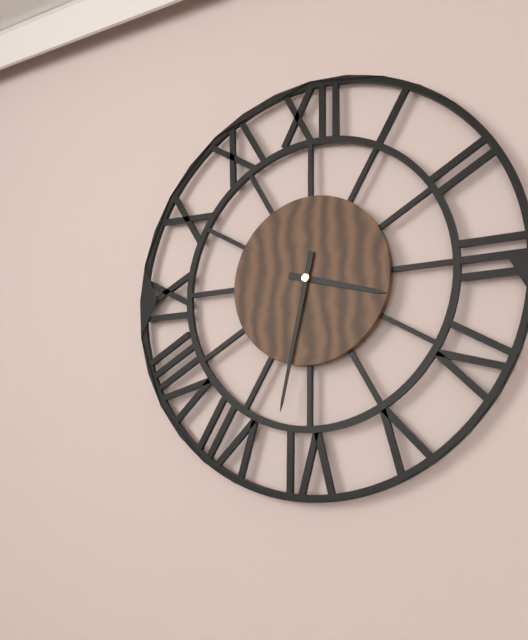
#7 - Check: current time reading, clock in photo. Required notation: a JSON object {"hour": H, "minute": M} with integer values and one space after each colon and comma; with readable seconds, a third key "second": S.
{"hour": 3, "minute": 32}
